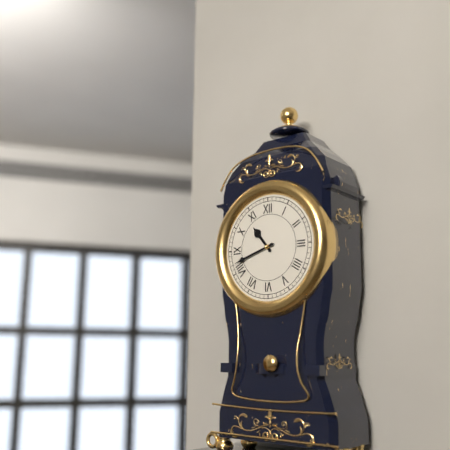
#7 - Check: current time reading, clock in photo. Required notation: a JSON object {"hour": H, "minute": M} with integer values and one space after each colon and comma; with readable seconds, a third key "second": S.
{"hour": 10, "minute": 42}
